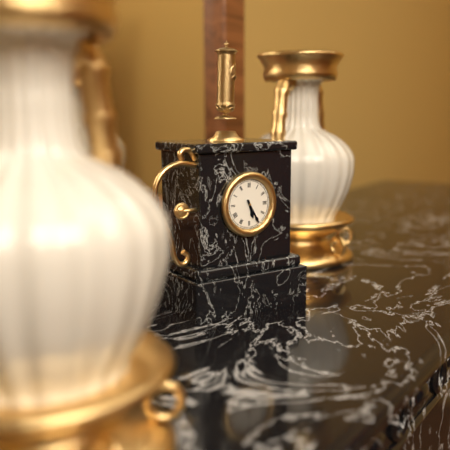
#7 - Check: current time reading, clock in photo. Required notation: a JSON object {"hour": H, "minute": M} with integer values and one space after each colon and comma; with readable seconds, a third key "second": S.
{"hour": 5, "minute": 25}
